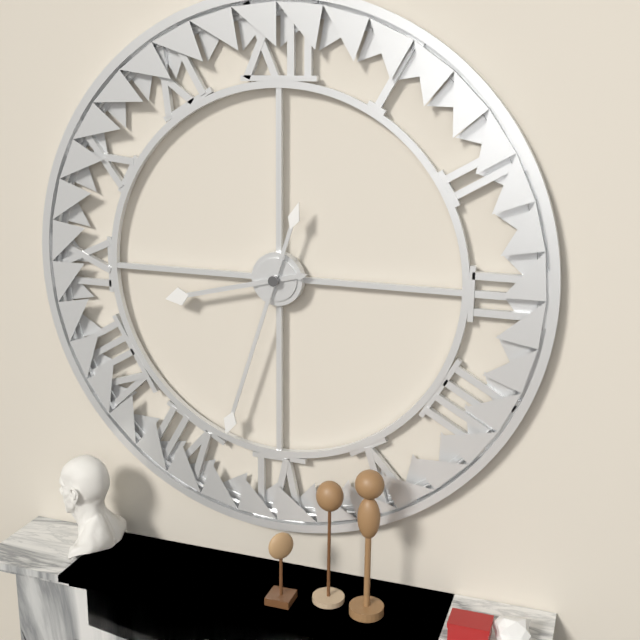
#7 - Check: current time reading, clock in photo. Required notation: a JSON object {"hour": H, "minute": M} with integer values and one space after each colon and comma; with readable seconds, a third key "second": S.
{"hour": 8, "minute": 33}
